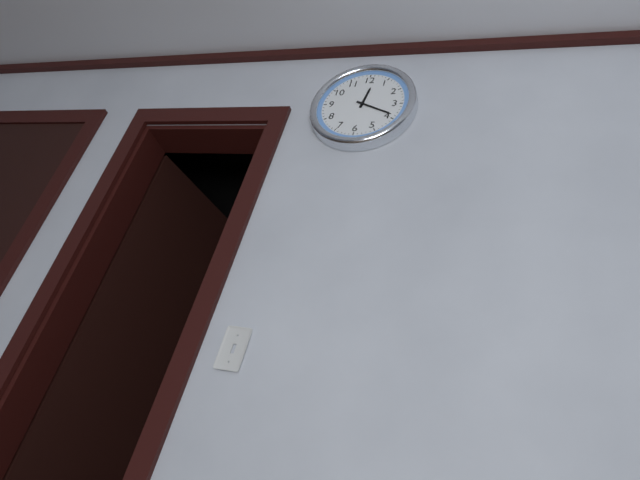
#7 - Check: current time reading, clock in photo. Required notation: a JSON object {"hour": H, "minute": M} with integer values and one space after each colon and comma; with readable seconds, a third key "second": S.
{"hour": 12, "minute": 19}
